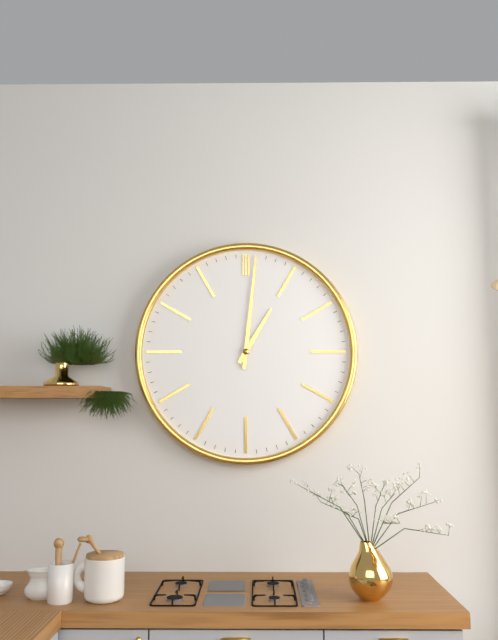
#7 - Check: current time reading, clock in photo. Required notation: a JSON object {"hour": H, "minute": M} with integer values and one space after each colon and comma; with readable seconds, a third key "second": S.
{"hour": 1, "minute": 1}
